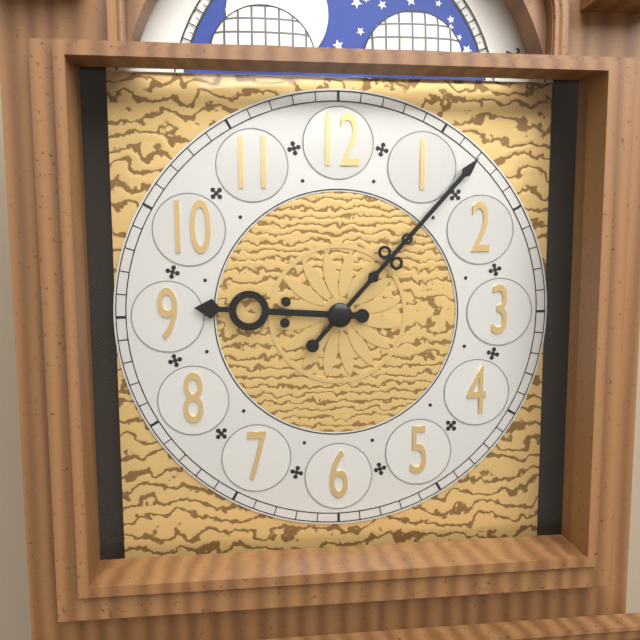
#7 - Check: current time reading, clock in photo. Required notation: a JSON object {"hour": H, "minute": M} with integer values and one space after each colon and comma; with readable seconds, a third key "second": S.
{"hour": 9, "minute": 7}
